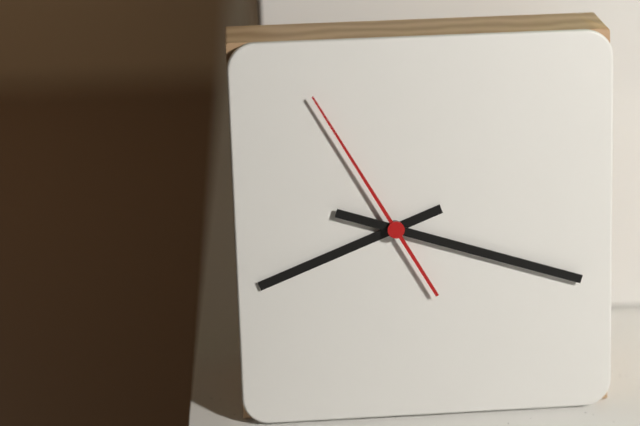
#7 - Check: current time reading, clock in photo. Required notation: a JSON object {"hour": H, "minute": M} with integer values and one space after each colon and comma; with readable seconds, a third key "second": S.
{"hour": 8, "minute": 18, "second": 55}
